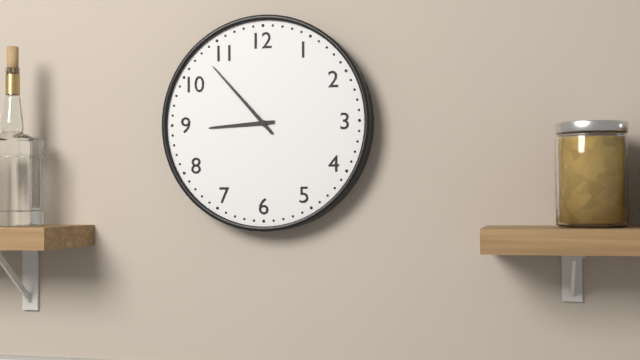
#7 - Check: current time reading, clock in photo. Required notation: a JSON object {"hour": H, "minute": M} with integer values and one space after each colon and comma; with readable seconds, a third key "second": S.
{"hour": 8, "minute": 53}
